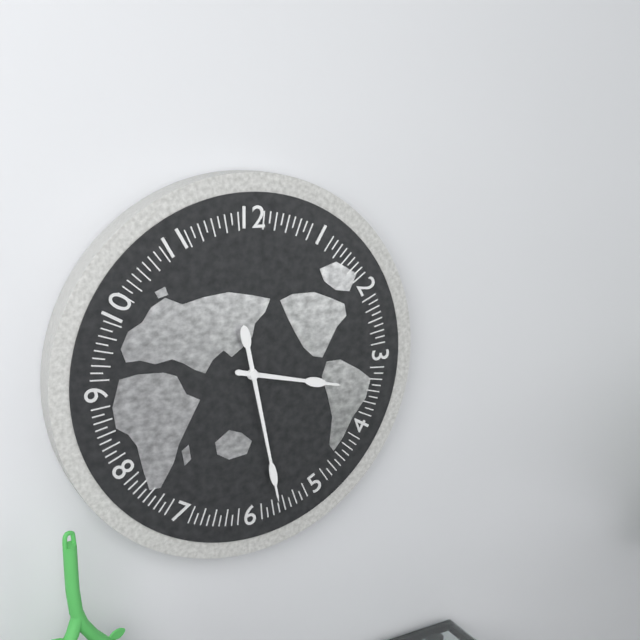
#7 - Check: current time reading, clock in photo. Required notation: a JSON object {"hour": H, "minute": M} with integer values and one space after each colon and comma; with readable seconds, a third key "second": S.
{"hour": 3, "minute": 28}
